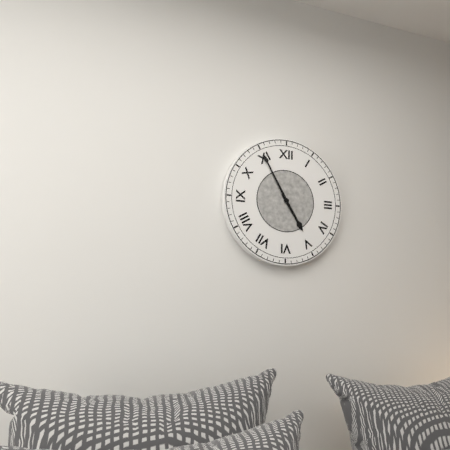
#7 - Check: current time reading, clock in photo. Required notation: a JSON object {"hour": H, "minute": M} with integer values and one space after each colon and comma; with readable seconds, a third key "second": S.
{"hour": 4, "minute": 55}
